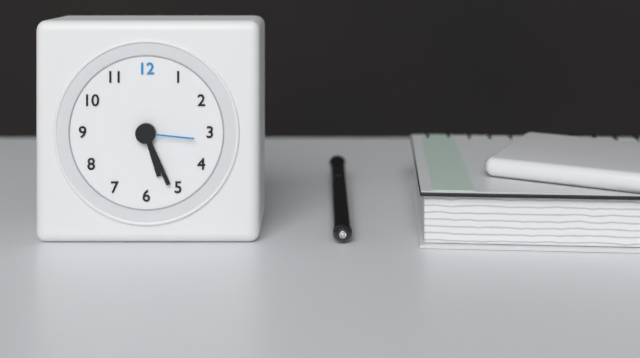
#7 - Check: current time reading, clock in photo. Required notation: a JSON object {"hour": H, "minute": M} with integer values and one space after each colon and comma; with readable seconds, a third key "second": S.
{"hour": 5, "minute": 26, "second": 16}
